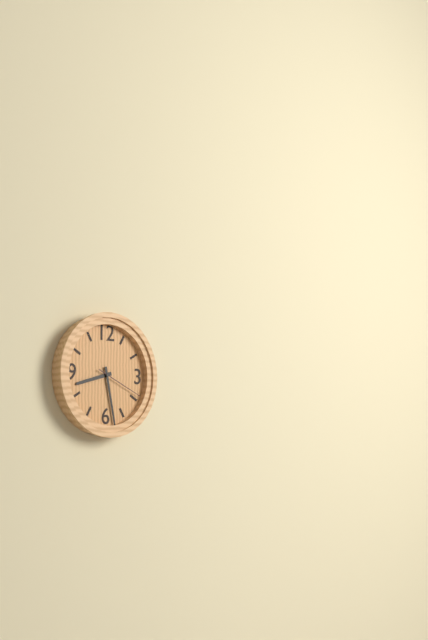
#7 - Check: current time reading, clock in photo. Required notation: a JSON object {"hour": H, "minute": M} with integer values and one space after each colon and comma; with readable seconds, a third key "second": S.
{"hour": 8, "minute": 28}
